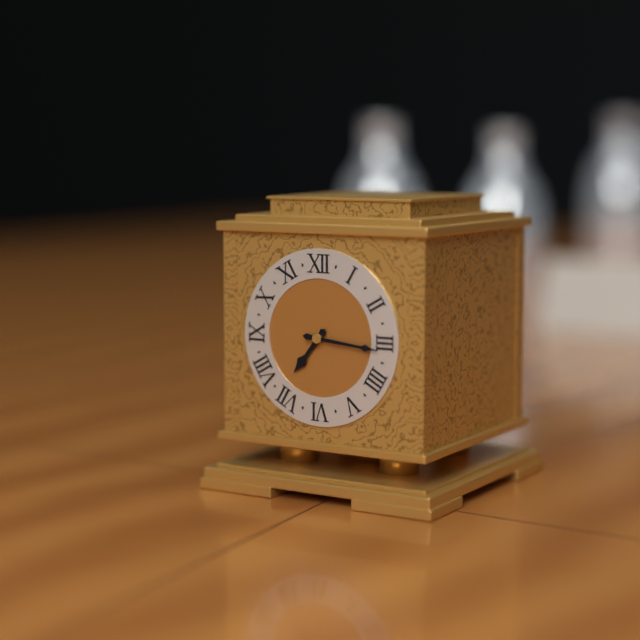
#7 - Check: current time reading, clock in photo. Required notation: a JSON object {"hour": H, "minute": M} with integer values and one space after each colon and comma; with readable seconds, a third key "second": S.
{"hour": 7, "minute": 16}
